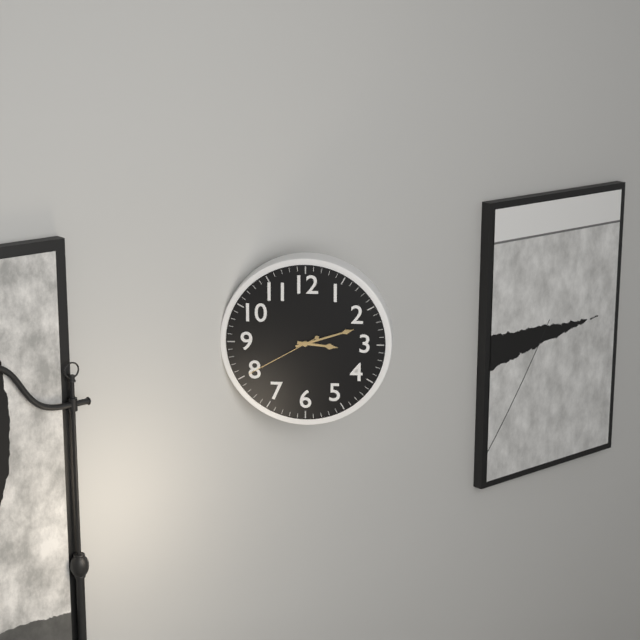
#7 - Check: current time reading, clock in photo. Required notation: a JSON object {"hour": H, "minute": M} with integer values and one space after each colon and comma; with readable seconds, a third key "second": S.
{"hour": 3, "minute": 12, "second": 40}
